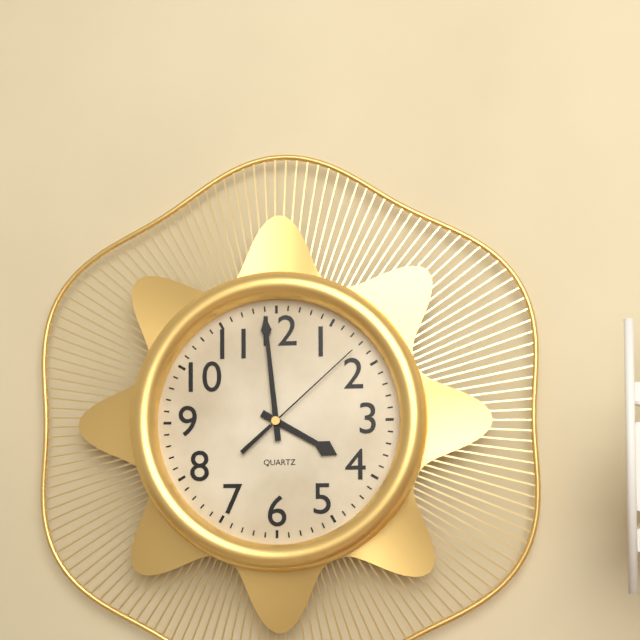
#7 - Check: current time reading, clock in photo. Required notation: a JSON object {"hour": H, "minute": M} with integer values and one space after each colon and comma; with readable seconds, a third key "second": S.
{"hour": 3, "minute": 59, "second": 8}
